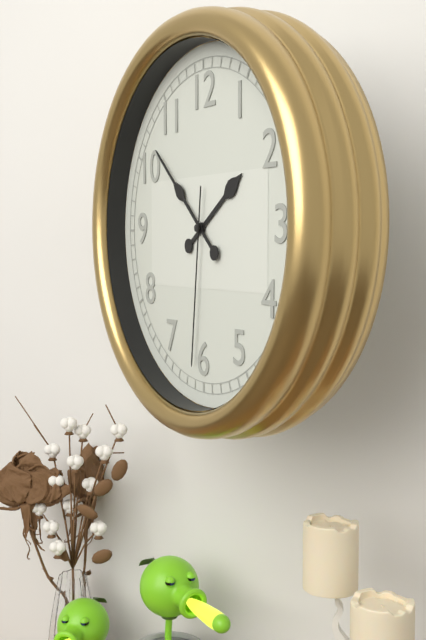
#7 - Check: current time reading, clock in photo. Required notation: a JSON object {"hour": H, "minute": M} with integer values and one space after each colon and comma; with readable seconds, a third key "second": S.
{"hour": 1, "minute": 52, "second": 31}
